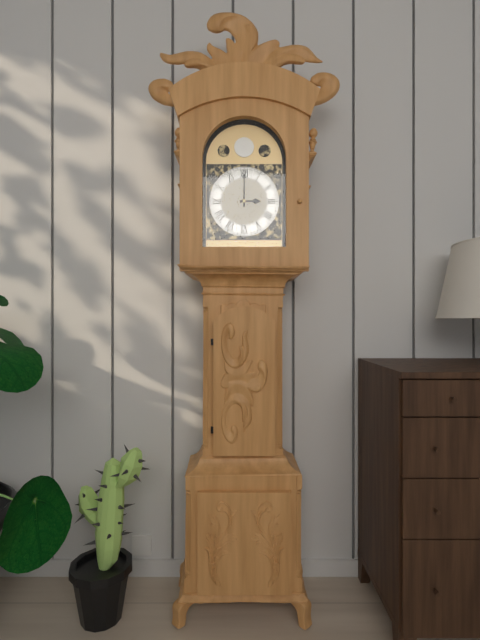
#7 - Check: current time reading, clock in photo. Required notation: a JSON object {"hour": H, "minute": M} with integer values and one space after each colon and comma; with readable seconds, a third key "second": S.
{"hour": 3, "minute": 0}
